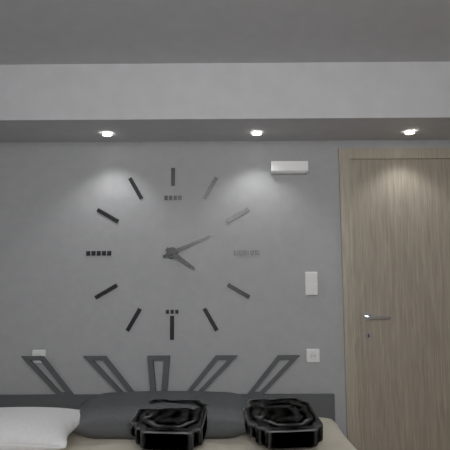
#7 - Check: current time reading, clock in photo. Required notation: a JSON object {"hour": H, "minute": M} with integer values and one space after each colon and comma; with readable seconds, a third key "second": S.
{"hour": 4, "minute": 11}
